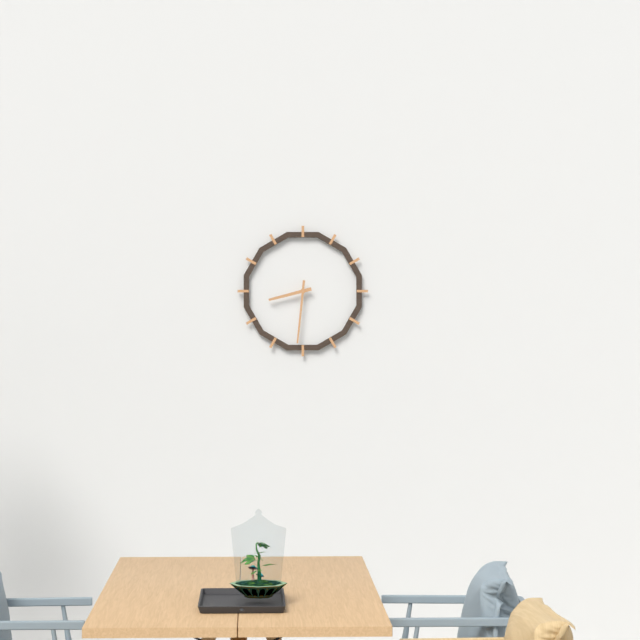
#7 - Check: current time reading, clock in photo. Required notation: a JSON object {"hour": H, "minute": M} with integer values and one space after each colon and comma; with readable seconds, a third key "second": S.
{"hour": 8, "minute": 31}
